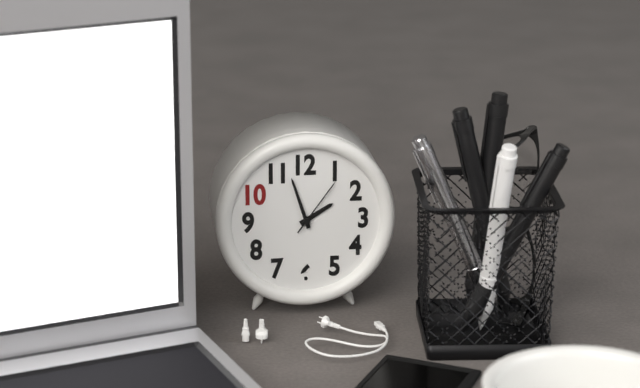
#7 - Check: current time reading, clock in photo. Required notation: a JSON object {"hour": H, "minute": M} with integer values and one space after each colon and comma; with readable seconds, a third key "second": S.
{"hour": 1, "minute": 57, "second": 6}
